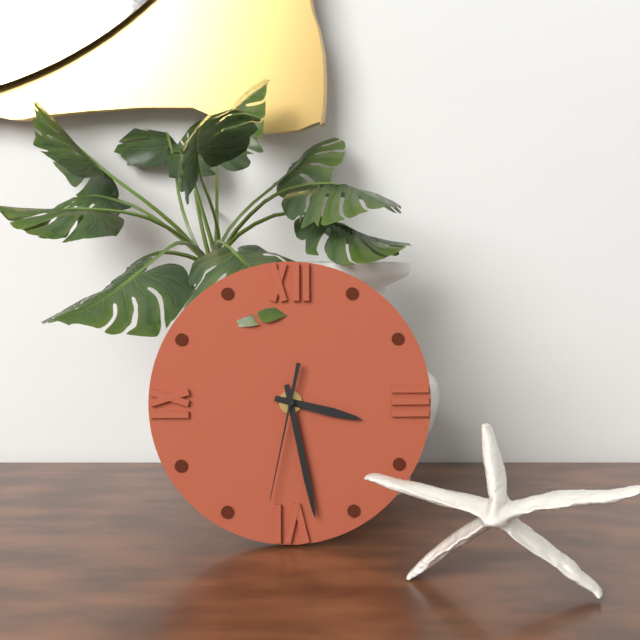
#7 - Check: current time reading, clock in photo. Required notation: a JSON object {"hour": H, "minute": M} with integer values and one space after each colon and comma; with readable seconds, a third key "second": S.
{"hour": 3, "minute": 28, "second": 32}
